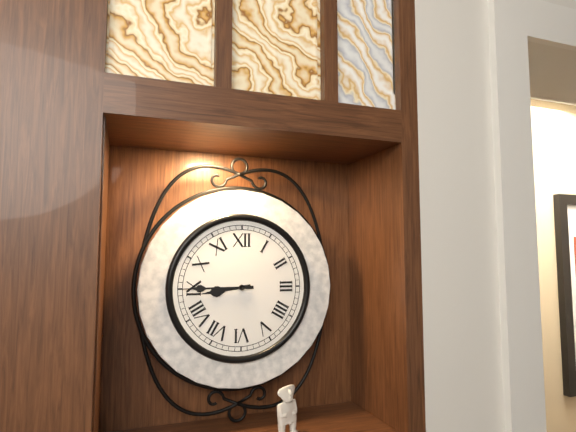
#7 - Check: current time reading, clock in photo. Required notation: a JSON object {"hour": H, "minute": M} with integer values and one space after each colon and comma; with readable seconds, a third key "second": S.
{"hour": 8, "minute": 45}
